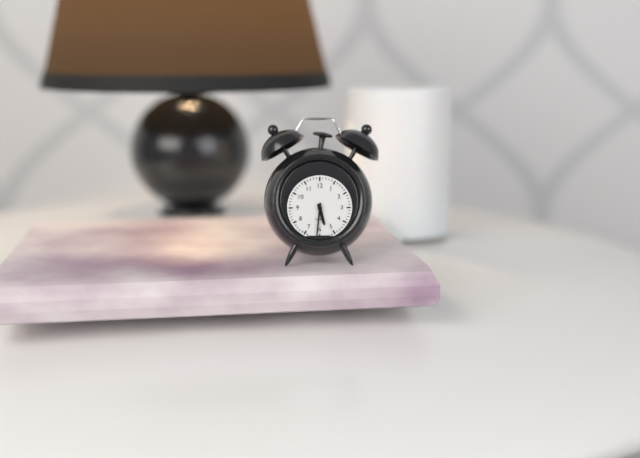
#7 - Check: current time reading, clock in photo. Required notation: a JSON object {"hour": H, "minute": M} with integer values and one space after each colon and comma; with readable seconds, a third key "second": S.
{"hour": 5, "minute": 31}
